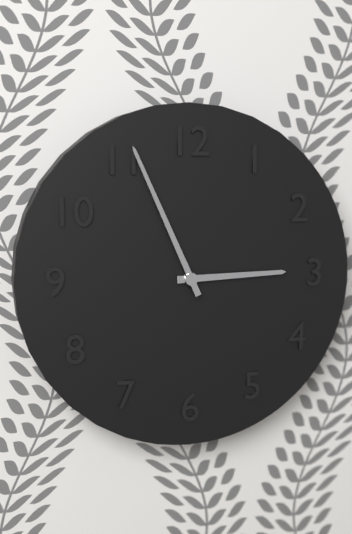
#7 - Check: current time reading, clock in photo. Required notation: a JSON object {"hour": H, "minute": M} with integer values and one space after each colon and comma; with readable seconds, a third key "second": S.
{"hour": 2, "minute": 56}
